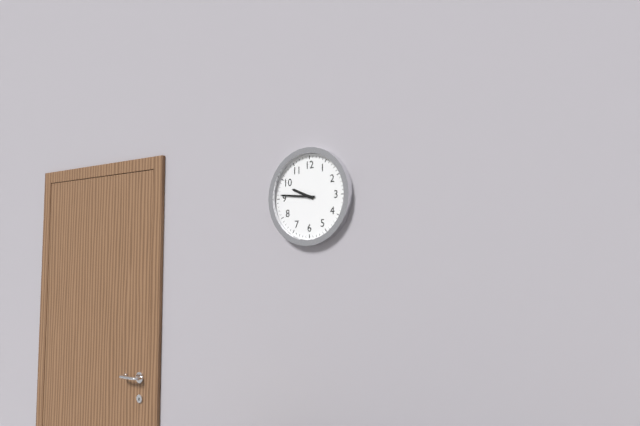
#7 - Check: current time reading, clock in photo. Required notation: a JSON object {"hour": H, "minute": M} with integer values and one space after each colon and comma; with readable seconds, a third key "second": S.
{"hour": 9, "minute": 46}
